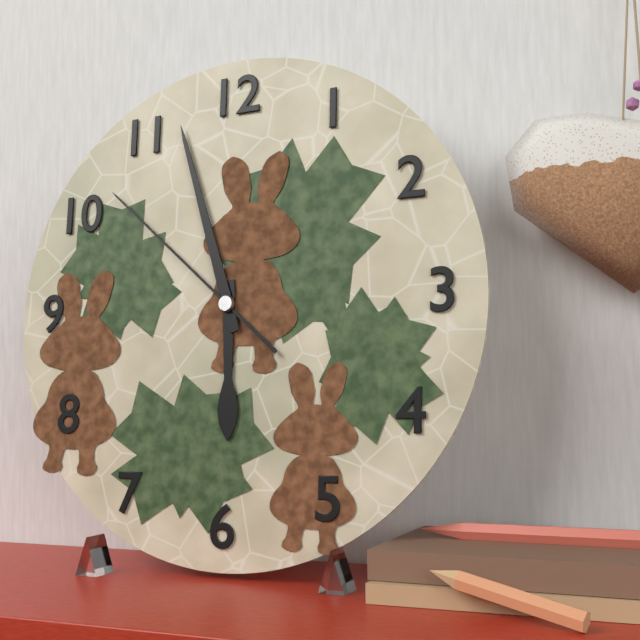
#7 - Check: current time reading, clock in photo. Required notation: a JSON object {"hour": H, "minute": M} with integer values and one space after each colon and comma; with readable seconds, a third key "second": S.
{"hour": 5, "minute": 57, "second": 52}
